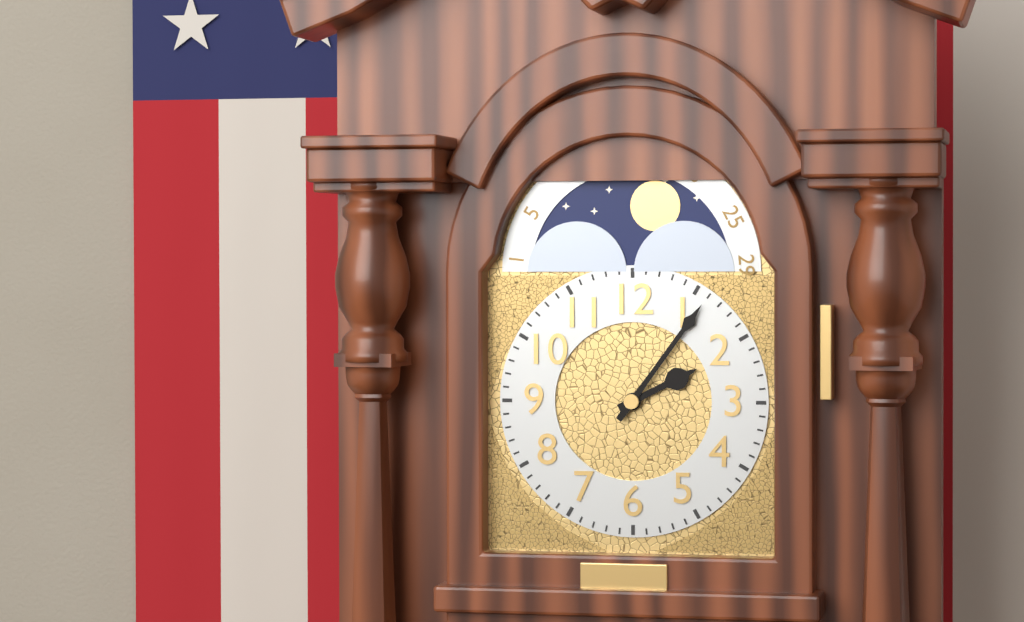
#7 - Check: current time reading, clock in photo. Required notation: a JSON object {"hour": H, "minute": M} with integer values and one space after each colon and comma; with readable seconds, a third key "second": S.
{"hour": 2, "minute": 6}
